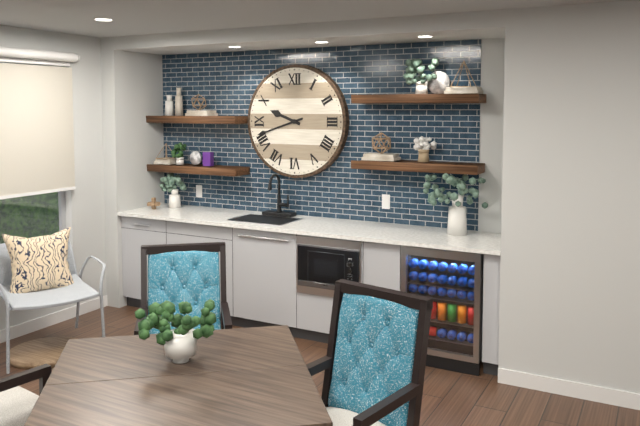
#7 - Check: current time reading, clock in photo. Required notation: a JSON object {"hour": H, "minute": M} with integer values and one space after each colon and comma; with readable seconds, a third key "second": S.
{"hour": 9, "minute": 42}
